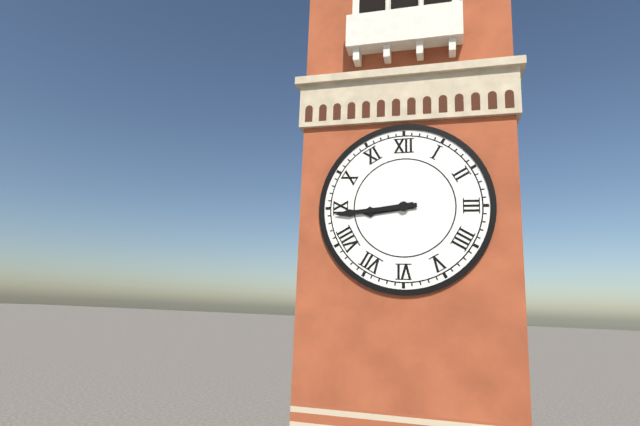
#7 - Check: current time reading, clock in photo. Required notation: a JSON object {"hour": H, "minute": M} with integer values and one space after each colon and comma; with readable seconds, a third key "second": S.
{"hour": 8, "minute": 44}
